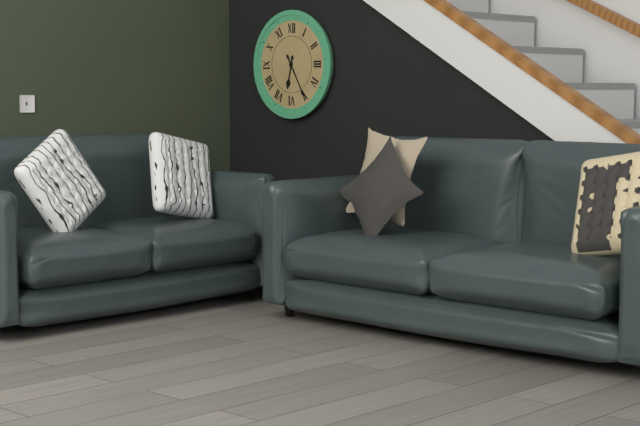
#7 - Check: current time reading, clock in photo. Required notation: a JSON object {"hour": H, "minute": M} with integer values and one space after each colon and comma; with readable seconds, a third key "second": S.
{"hour": 6, "minute": 25}
